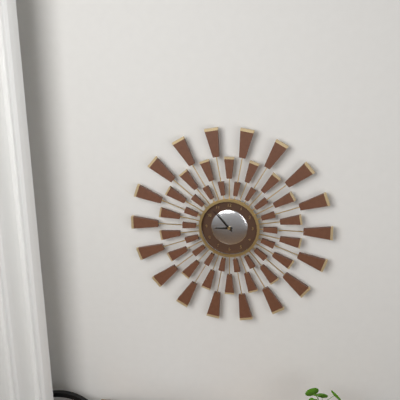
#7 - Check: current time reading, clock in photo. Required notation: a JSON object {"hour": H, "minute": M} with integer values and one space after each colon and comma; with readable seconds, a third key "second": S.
{"hour": 8, "minute": 53}
